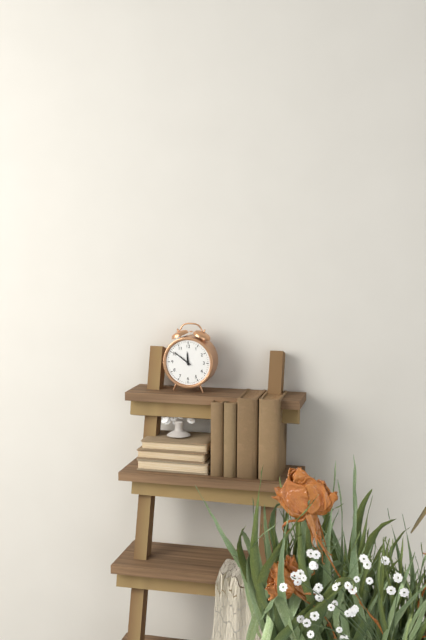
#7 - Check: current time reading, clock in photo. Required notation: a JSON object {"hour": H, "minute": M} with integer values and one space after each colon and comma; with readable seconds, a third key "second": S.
{"hour": 11, "minute": 51}
